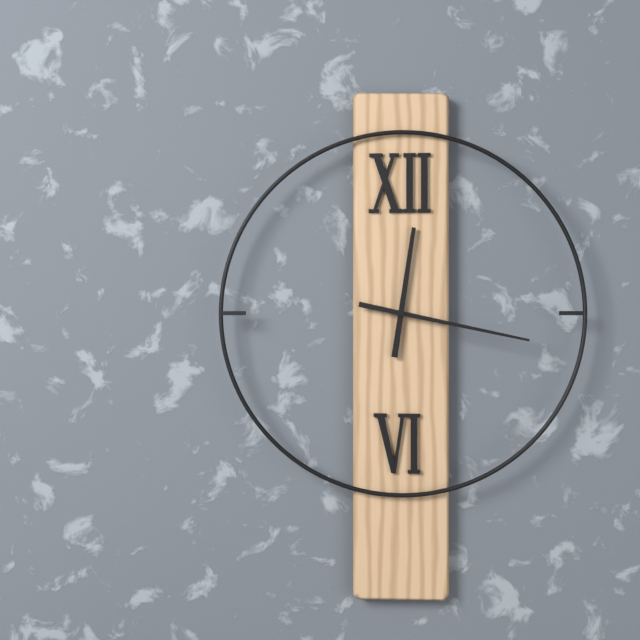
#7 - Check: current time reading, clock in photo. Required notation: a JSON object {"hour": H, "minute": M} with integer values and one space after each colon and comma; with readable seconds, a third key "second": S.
{"hour": 12, "minute": 17}
